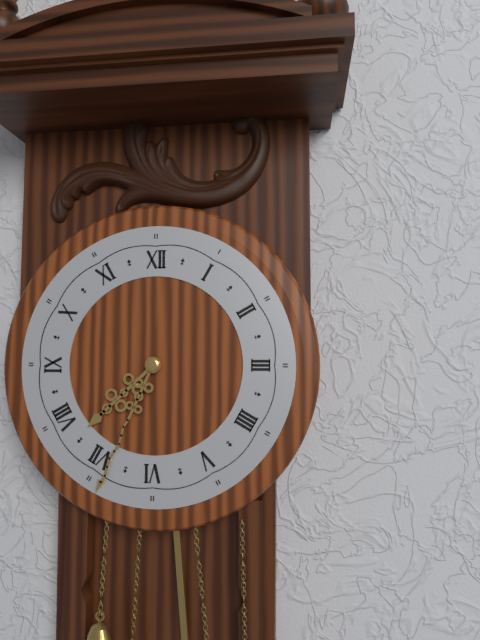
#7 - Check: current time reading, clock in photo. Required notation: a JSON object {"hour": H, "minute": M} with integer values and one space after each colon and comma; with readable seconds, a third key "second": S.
{"hour": 7, "minute": 34}
